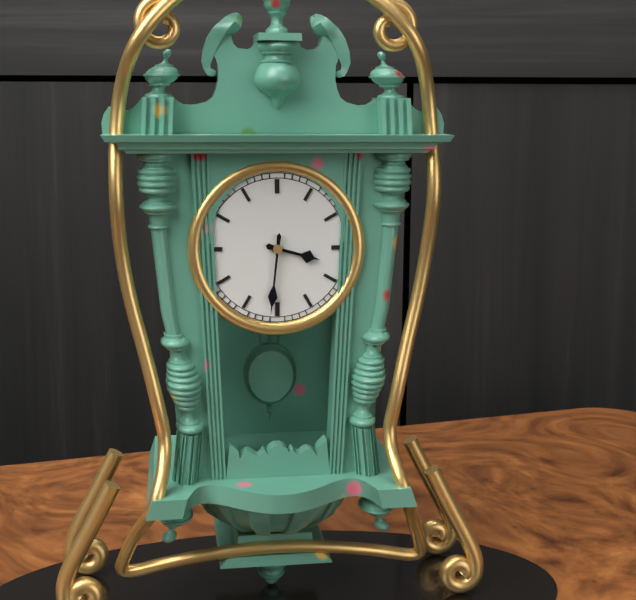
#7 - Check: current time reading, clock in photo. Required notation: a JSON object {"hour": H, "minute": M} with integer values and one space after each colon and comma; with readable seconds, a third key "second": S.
{"hour": 3, "minute": 31}
